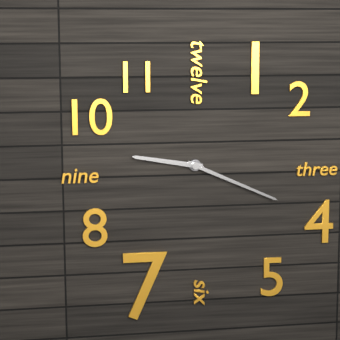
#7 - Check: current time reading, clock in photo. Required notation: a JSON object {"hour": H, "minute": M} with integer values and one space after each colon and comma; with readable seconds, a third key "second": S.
{"hour": 9, "minute": 19}
